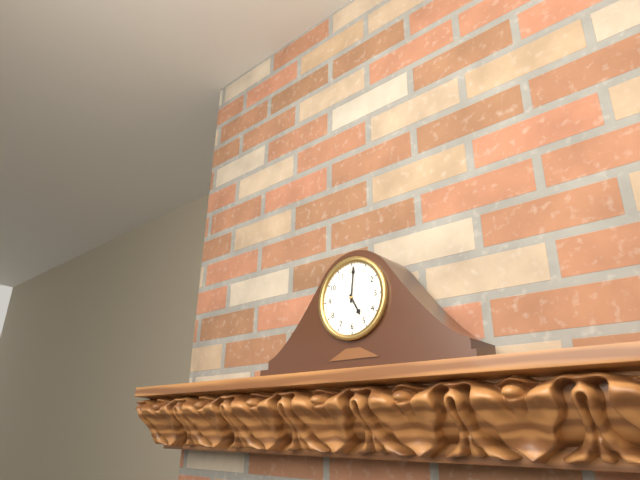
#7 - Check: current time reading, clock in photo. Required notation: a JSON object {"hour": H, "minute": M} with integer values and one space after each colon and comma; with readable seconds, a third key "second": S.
{"hour": 5, "minute": 1}
